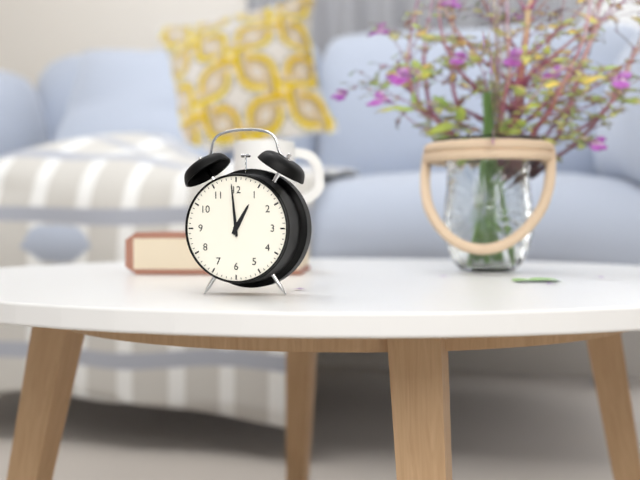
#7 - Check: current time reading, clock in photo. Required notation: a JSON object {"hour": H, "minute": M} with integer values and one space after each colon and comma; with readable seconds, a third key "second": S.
{"hour": 12, "minute": 59}
